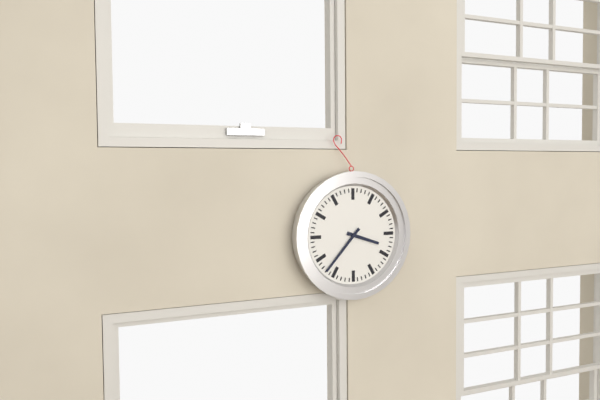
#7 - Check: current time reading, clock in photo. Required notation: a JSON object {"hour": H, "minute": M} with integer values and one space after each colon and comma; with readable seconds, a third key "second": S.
{"hour": 3, "minute": 37}
